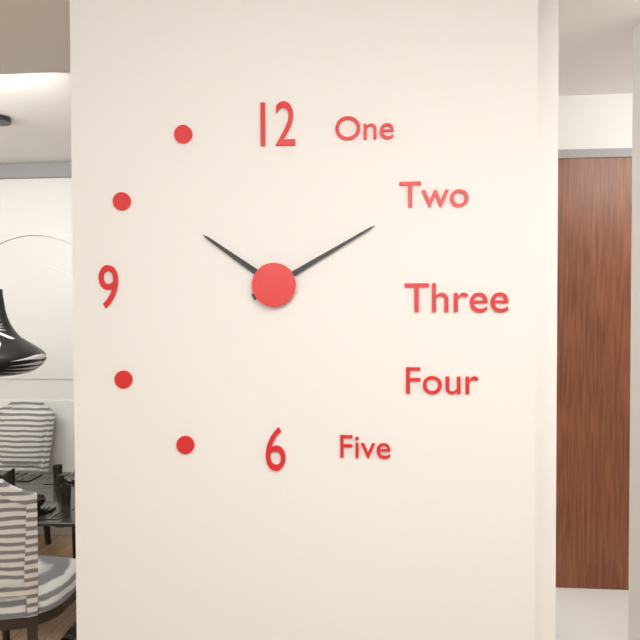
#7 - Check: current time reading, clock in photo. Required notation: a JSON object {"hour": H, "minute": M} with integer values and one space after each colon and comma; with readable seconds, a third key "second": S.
{"hour": 10, "minute": 10}
